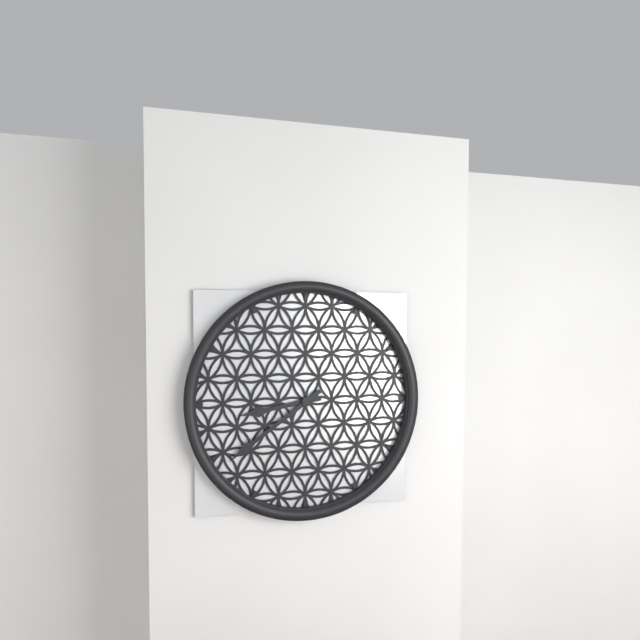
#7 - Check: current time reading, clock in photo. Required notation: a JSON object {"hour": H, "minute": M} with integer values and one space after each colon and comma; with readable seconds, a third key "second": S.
{"hour": 8, "minute": 39}
